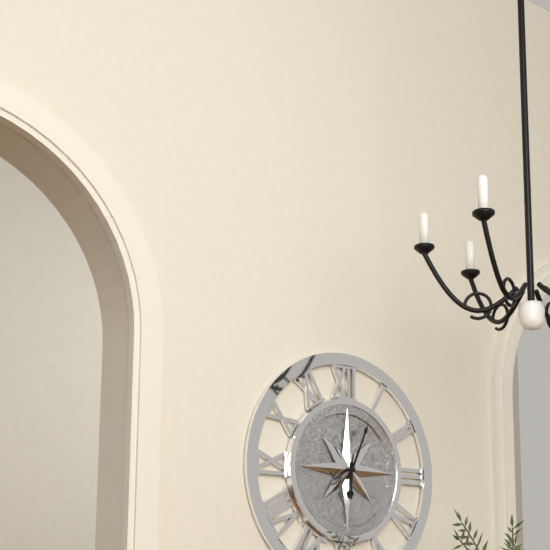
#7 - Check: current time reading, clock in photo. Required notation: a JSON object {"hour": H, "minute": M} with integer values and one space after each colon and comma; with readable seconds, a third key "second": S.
{"hour": 6, "minute": 4}
